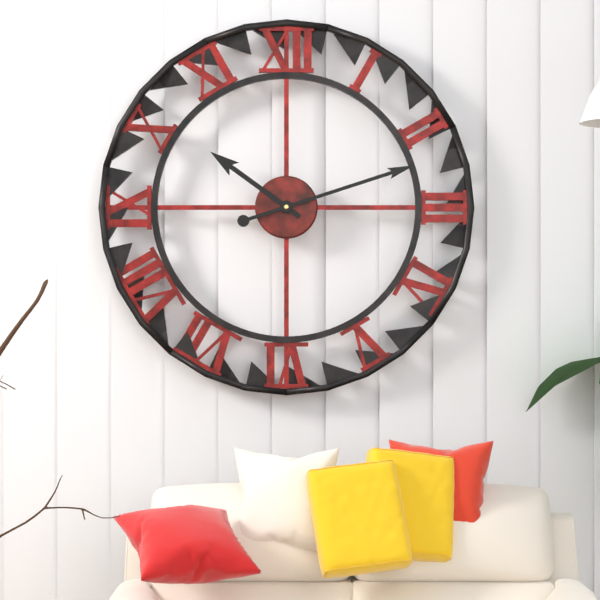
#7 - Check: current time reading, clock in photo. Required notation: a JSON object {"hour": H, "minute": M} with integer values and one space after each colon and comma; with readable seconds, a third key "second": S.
{"hour": 10, "minute": 12}
